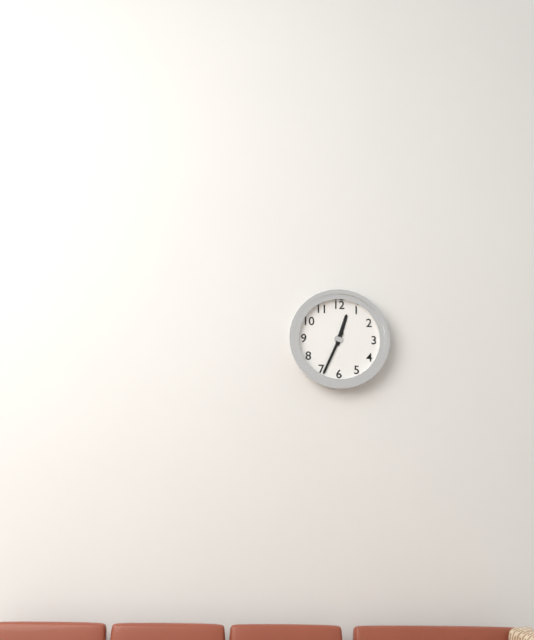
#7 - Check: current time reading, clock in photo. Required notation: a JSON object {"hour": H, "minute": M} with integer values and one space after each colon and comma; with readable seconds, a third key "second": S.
{"hour": 12, "minute": 34}
